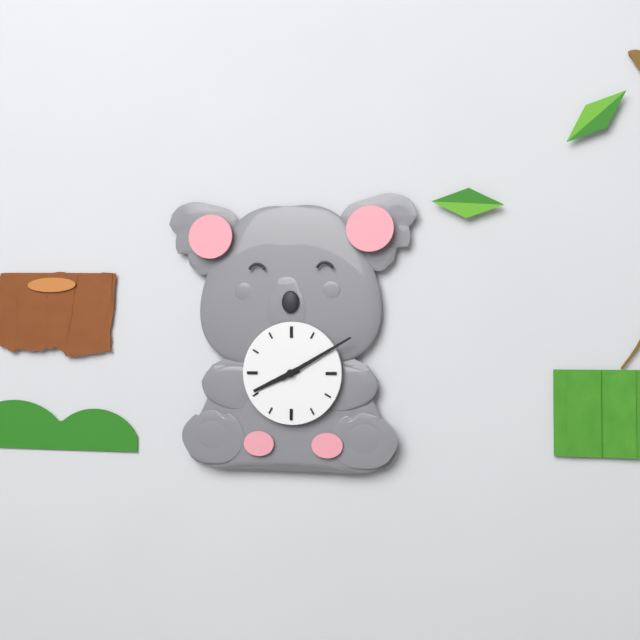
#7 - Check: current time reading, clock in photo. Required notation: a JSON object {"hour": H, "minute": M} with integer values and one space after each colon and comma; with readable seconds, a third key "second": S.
{"hour": 8, "minute": 10}
